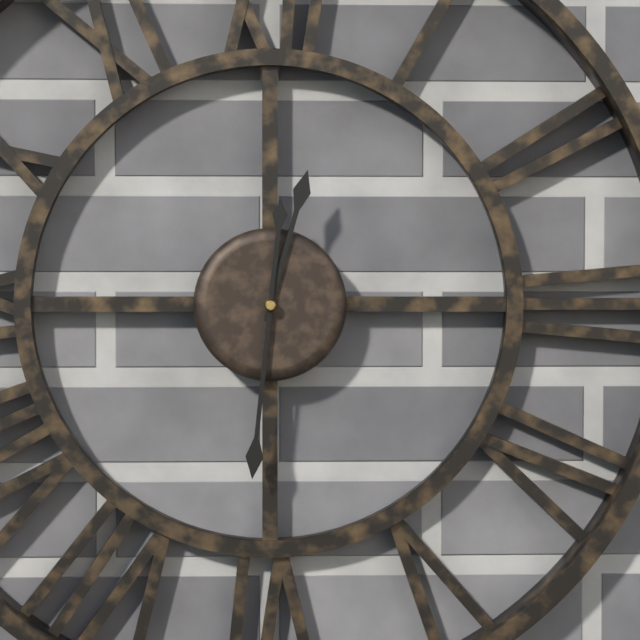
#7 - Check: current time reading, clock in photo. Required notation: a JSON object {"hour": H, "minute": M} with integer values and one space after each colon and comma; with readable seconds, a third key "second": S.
{"hour": 12, "minute": 31}
